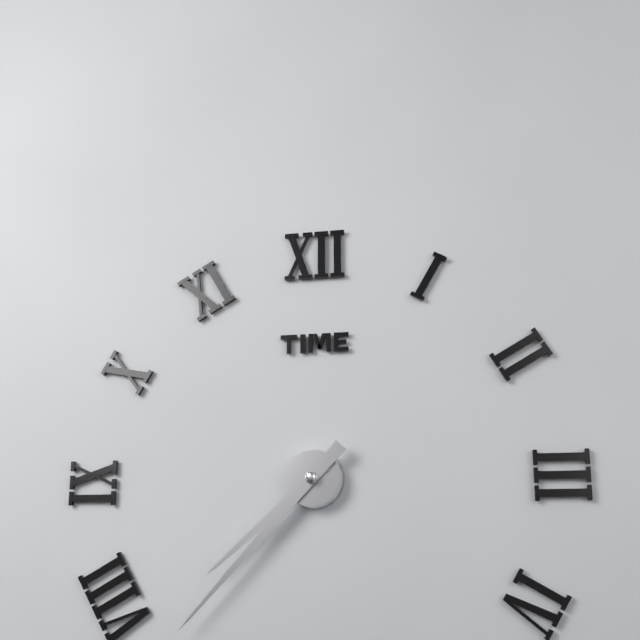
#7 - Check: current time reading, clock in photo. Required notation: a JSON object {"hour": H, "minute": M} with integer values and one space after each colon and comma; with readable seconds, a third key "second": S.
{"hour": 7, "minute": 37}
